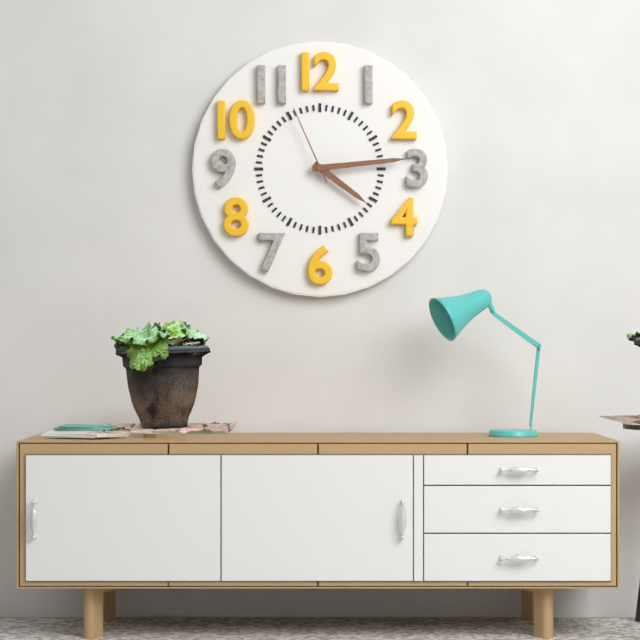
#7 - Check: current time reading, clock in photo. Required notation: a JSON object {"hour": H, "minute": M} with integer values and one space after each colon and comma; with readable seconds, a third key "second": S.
{"hour": 4, "minute": 14, "second": 56}
